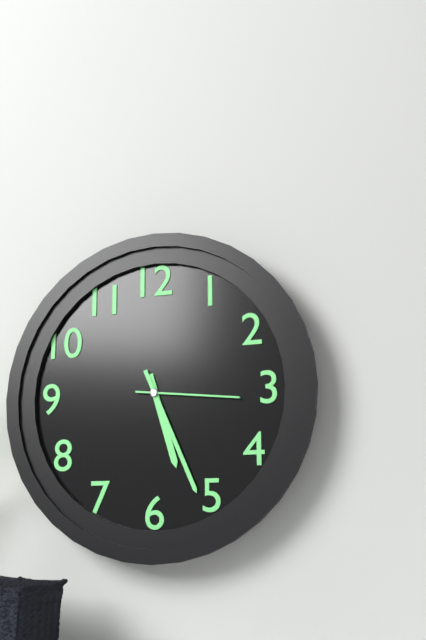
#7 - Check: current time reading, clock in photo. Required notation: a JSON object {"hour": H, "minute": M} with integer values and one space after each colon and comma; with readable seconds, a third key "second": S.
{"hour": 5, "minute": 26, "second": 16}
